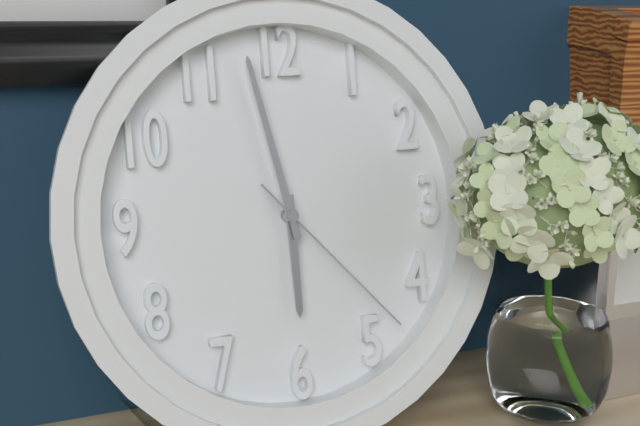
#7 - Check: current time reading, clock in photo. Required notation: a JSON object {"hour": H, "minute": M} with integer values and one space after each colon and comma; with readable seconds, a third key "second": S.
{"hour": 5, "minute": 58, "second": 23}
